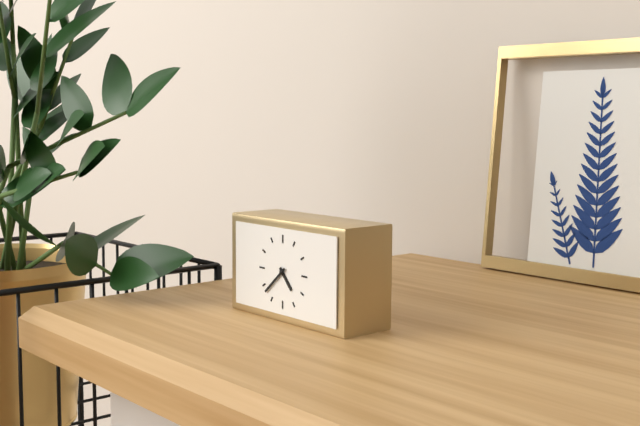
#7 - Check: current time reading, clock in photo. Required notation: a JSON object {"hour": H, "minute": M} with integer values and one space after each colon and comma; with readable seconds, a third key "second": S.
{"hour": 4, "minute": 38}
